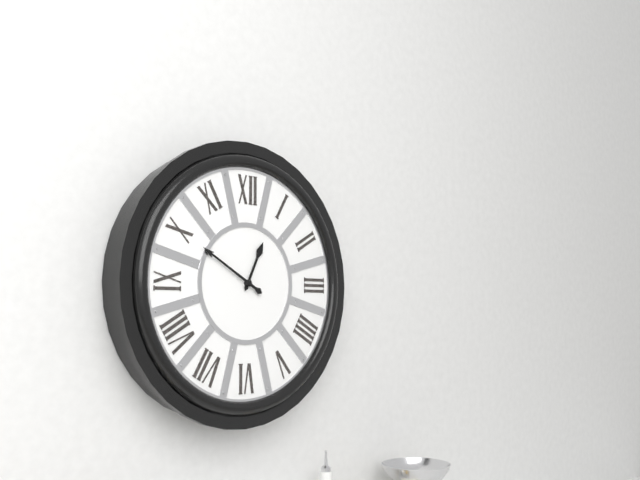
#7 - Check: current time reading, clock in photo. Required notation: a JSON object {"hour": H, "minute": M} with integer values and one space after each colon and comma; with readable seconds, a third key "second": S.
{"hour": 12, "minute": 50}
